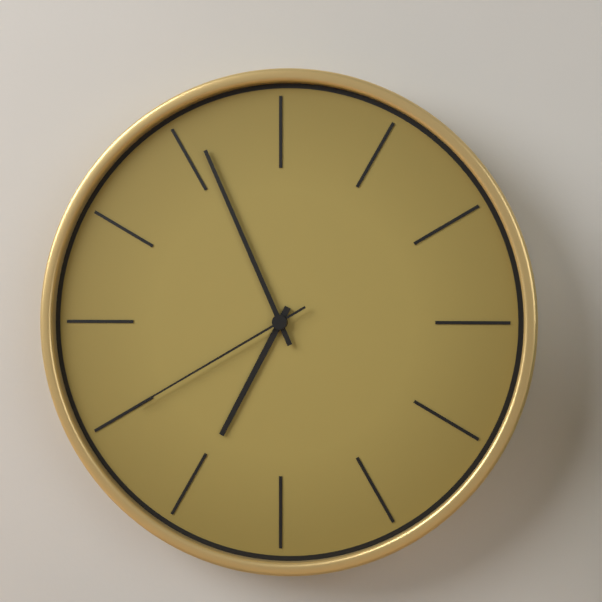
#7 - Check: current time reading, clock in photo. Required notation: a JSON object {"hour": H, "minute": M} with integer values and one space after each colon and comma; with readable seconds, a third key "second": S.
{"hour": 6, "minute": 56, "second": 40}
